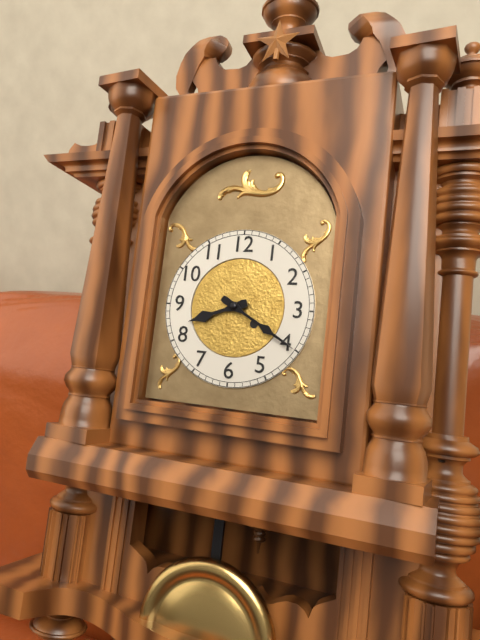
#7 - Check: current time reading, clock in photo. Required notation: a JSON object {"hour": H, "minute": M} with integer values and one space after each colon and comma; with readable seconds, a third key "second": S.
{"hour": 8, "minute": 20}
